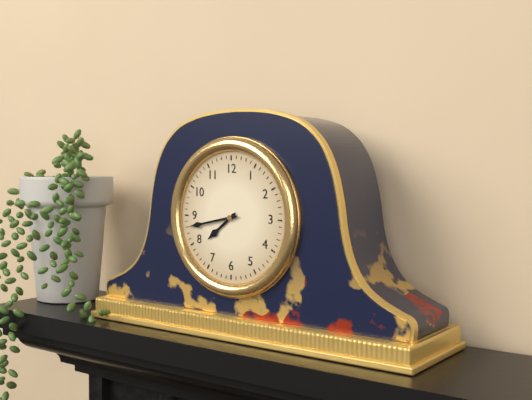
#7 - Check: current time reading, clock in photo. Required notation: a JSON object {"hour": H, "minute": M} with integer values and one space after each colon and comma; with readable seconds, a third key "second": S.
{"hour": 7, "minute": 43}
